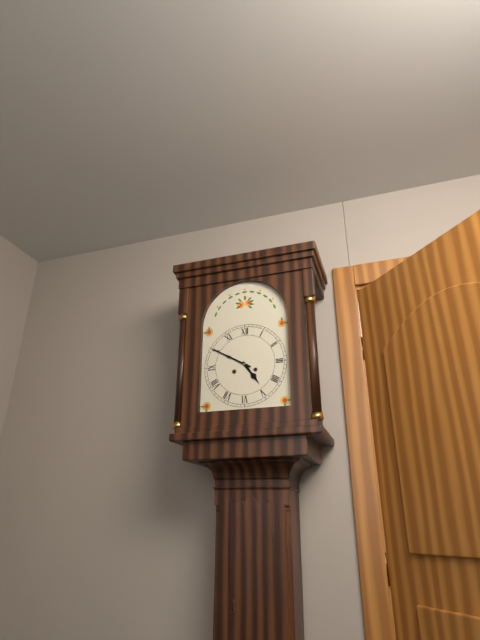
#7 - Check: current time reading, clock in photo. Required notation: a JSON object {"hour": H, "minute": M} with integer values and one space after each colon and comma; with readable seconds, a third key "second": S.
{"hour": 4, "minute": 50}
